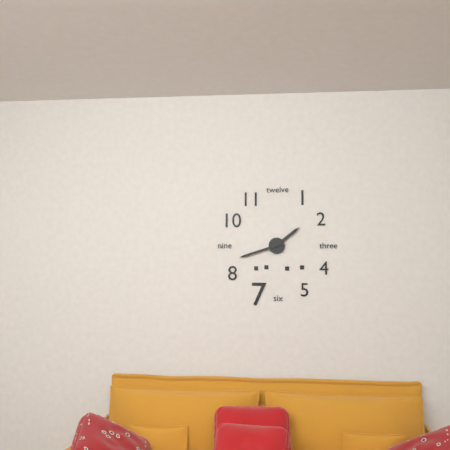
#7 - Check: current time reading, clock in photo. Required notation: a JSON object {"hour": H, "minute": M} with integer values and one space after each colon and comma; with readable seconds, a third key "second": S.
{"hour": 1, "minute": 42}
